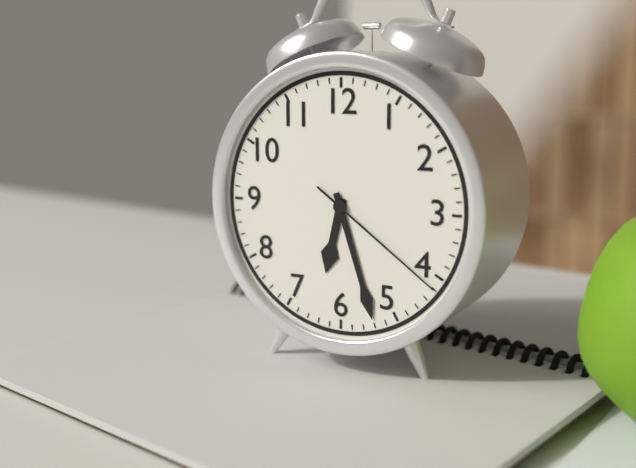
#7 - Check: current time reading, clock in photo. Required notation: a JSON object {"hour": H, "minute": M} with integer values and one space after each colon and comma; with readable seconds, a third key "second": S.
{"hour": 6, "minute": 27, "second": 21}
